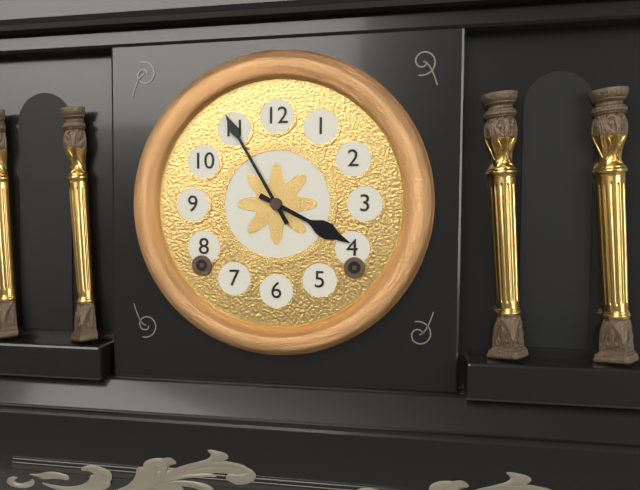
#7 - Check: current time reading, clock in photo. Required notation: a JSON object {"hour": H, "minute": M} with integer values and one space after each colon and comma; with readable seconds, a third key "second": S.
{"hour": 3, "minute": 55}
